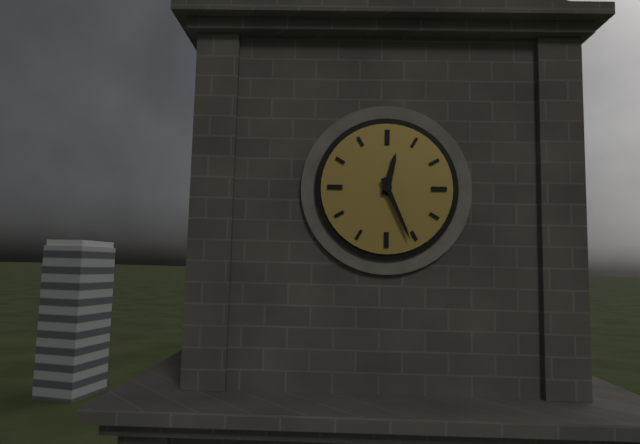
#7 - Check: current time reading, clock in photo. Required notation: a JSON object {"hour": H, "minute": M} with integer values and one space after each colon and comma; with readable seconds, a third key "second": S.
{"hour": 12, "minute": 26}
